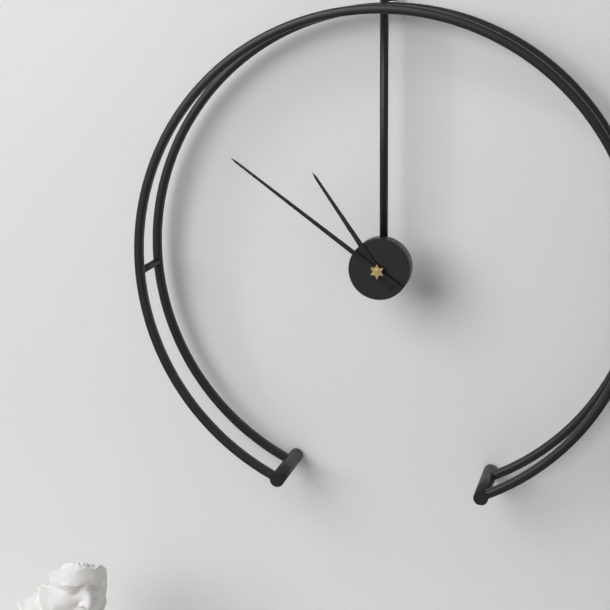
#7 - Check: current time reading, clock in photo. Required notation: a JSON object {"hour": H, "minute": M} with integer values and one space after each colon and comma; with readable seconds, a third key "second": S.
{"hour": 10, "minute": 51}
